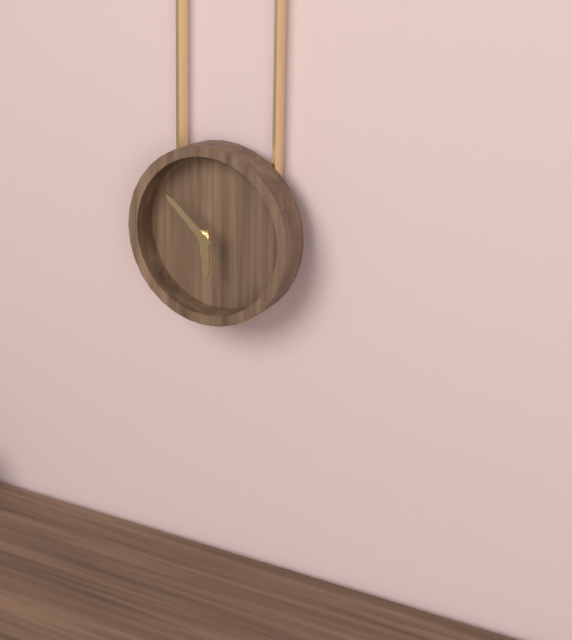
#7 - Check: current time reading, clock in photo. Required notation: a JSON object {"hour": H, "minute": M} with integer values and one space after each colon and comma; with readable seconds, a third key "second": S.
{"hour": 5, "minute": 52}
